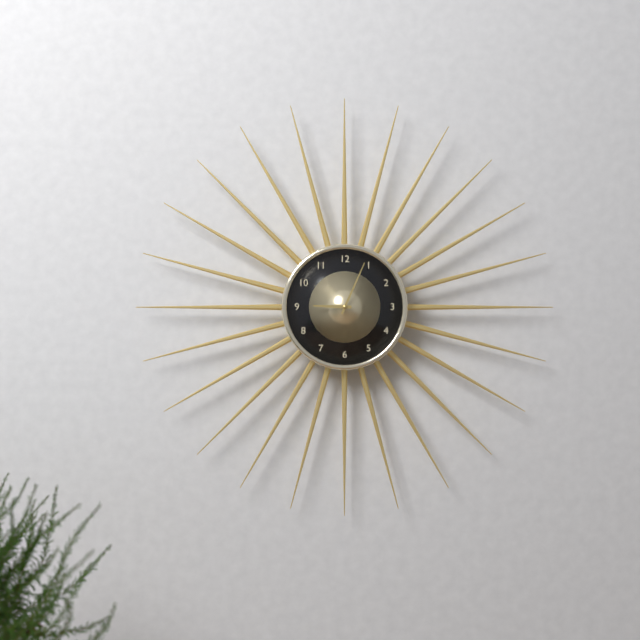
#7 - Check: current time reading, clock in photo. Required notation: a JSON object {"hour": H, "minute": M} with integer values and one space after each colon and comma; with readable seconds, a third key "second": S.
{"hour": 9, "minute": 4}
